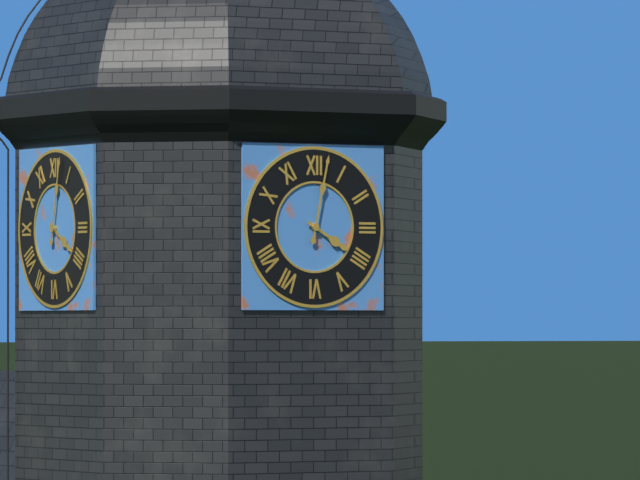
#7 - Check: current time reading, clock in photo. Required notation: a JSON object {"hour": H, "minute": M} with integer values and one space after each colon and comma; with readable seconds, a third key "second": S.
{"hour": 4, "minute": 2}
